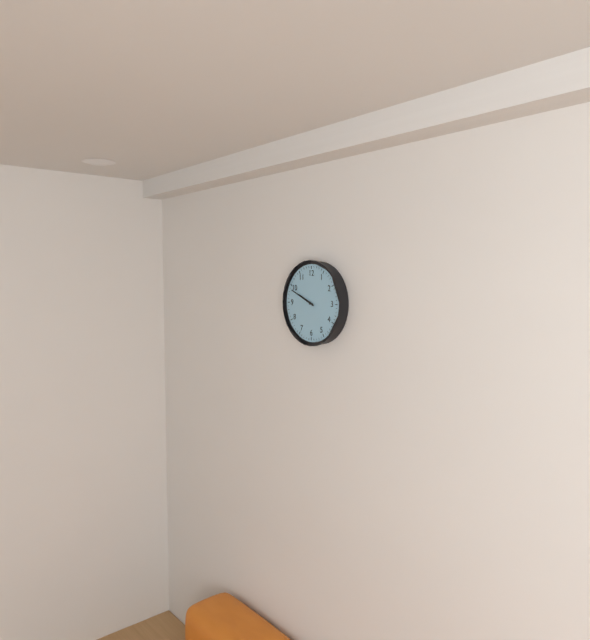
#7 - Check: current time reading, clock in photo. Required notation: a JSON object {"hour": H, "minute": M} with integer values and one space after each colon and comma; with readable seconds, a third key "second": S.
{"hour": 9, "minute": 49}
